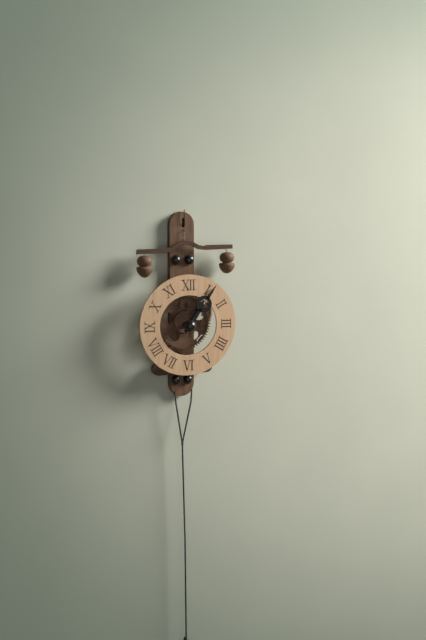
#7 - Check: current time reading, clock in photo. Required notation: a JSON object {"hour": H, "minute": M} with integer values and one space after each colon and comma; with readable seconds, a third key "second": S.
{"hour": 1, "minute": 6}
